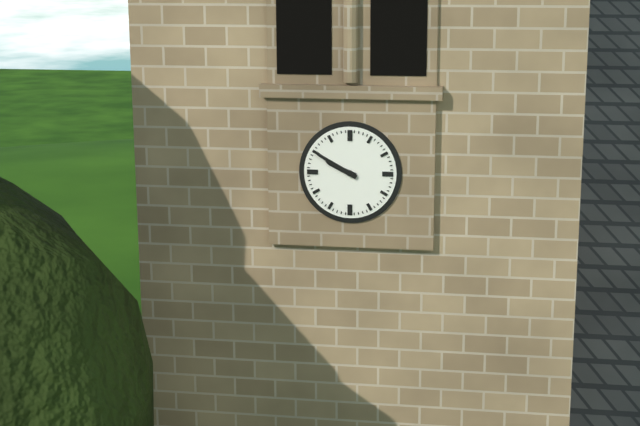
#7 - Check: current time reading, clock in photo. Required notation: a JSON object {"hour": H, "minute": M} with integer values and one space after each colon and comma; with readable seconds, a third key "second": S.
{"hour": 9, "minute": 50}
